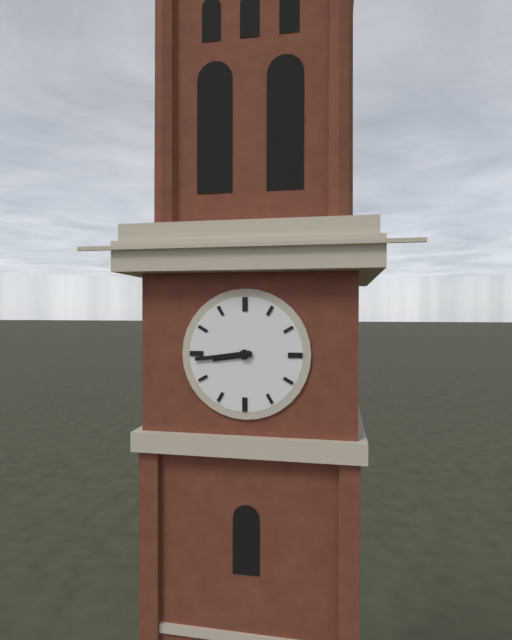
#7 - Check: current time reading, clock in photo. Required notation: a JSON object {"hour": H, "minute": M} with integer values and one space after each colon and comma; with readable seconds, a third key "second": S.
{"hour": 8, "minute": 44}
